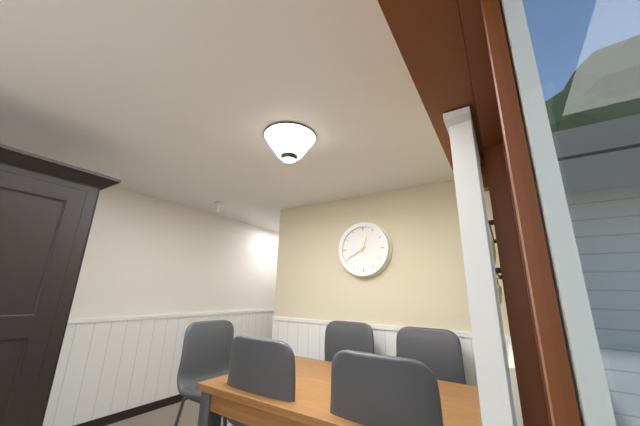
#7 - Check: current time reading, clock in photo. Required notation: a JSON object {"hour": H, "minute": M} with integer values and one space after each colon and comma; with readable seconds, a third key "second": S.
{"hour": 12, "minute": 40}
